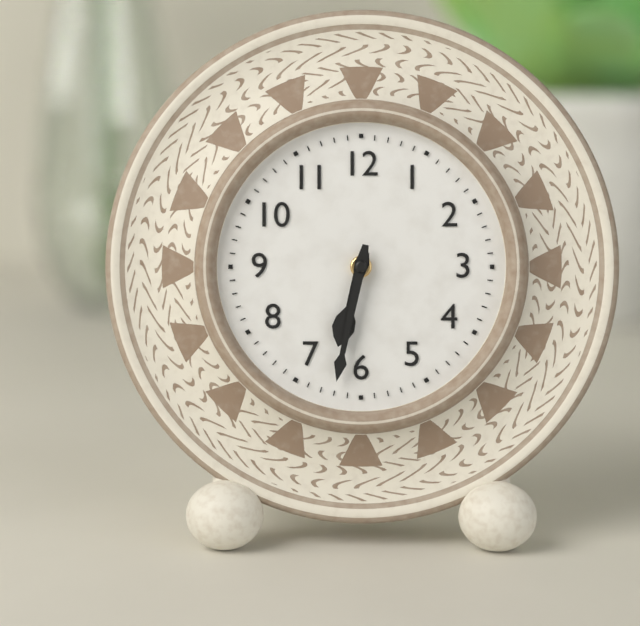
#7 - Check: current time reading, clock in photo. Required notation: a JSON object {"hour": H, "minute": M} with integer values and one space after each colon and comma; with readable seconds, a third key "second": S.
{"hour": 6, "minute": 32}
